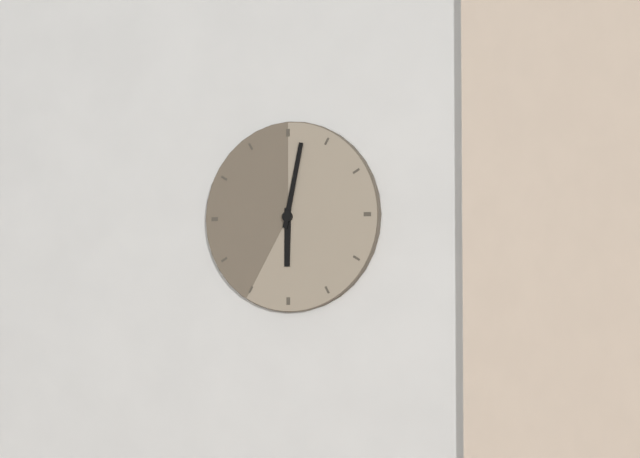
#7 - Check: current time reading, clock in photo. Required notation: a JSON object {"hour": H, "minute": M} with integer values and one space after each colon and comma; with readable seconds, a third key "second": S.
{"hour": 6, "minute": 2}
